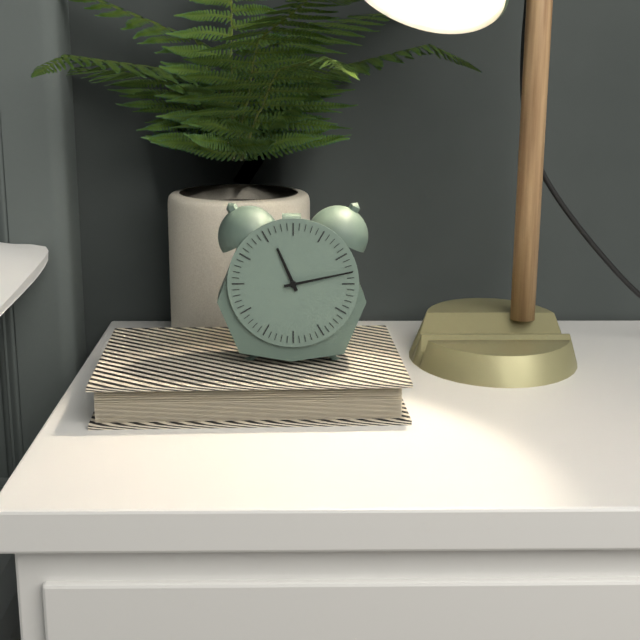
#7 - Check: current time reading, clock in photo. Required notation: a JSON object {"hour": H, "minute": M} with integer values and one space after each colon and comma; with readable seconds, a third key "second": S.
{"hour": 11, "minute": 13}
